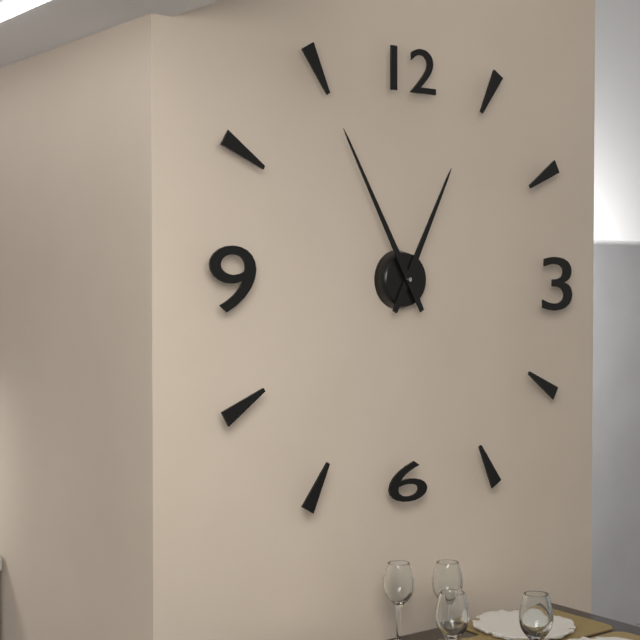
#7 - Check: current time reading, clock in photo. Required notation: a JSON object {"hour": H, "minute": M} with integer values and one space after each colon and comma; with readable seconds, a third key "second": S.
{"hour": 12, "minute": 55}
